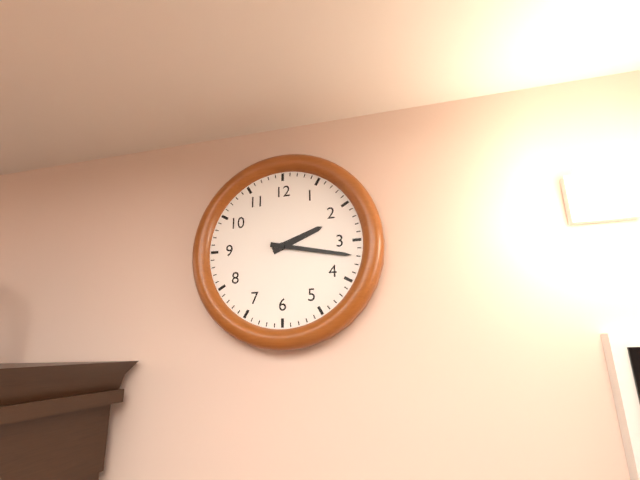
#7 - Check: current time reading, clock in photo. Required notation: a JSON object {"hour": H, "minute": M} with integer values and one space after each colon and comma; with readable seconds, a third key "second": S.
{"hour": 2, "minute": 17}
